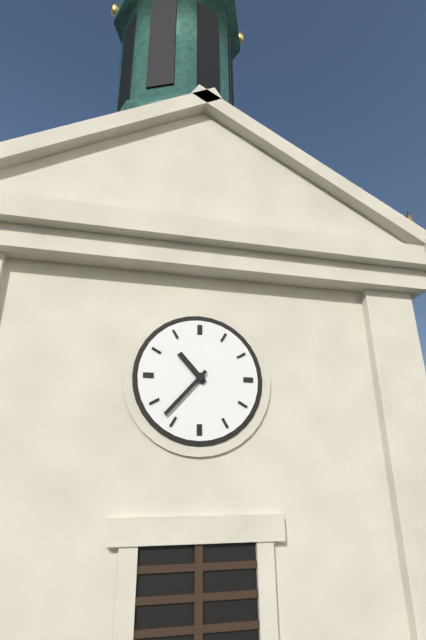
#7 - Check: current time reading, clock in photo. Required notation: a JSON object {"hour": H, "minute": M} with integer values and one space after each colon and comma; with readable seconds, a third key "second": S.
{"hour": 10, "minute": 37}
